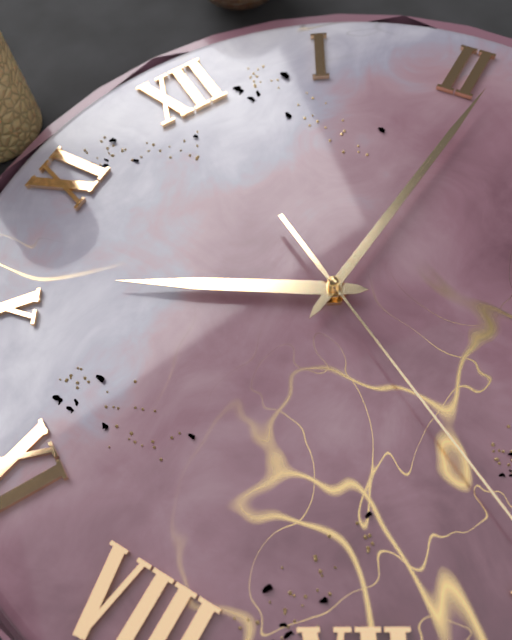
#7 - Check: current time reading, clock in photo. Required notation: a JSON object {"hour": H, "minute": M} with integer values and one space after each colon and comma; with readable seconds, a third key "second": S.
{"hour": 10, "minute": 11}
